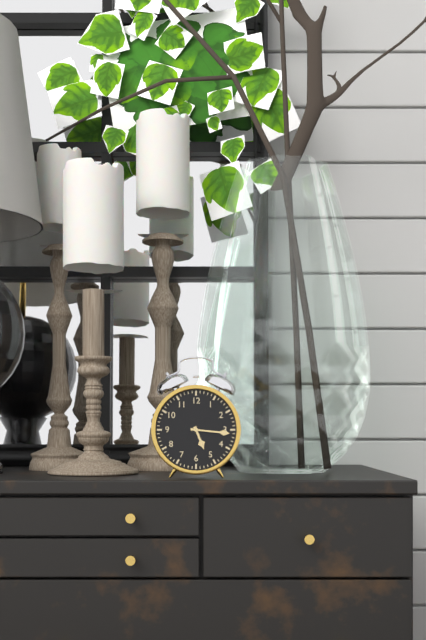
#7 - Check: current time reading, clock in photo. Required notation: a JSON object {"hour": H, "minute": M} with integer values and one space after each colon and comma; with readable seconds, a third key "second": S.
{"hour": 5, "minute": 16}
